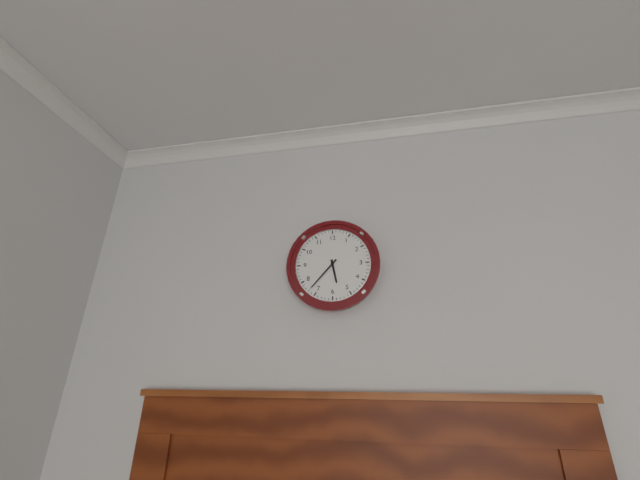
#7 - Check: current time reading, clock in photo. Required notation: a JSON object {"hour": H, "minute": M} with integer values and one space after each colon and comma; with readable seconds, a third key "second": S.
{"hour": 5, "minute": 37}
